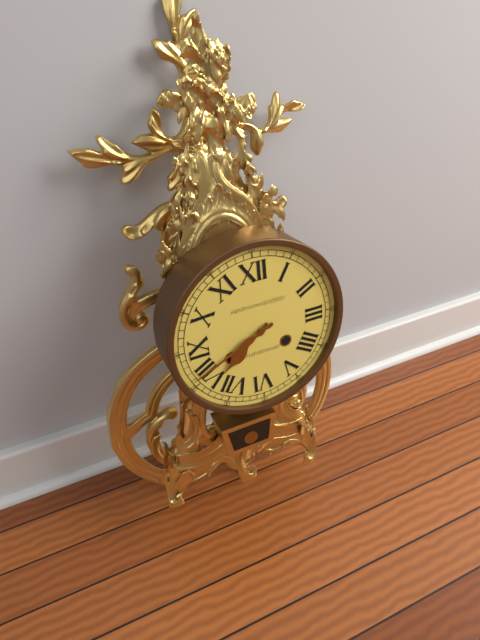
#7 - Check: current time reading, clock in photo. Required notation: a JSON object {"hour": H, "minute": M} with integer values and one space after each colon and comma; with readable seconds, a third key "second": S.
{"hour": 7, "minute": 41}
